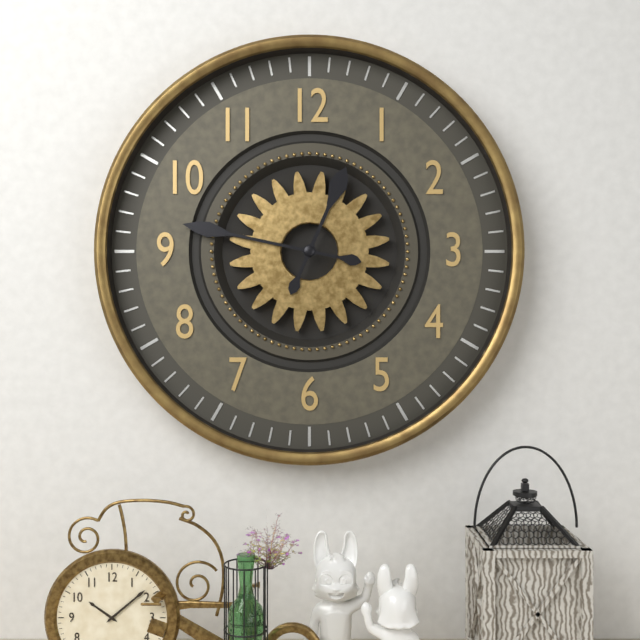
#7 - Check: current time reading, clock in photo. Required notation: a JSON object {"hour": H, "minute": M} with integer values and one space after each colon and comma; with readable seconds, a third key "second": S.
{"hour": 12, "minute": 47}
